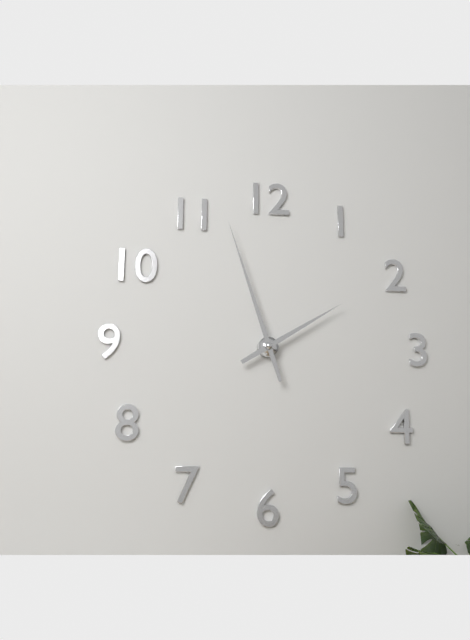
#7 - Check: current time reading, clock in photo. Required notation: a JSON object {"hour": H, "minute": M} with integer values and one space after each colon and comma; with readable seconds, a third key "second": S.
{"hour": 1, "minute": 57}
